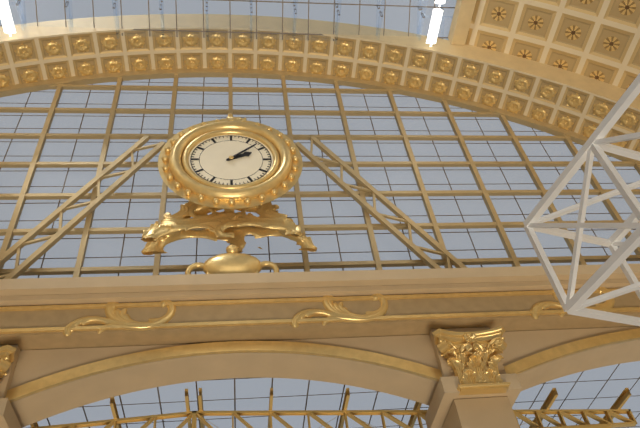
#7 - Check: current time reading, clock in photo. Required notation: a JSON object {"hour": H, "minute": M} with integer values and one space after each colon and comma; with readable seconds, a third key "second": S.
{"hour": 2, "minute": 8}
